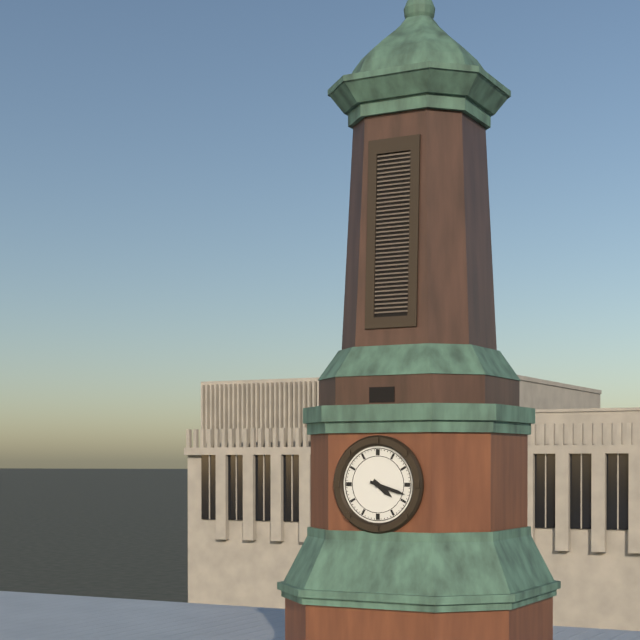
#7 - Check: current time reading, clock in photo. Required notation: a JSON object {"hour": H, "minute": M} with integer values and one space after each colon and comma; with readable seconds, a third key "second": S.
{"hour": 4, "minute": 18}
